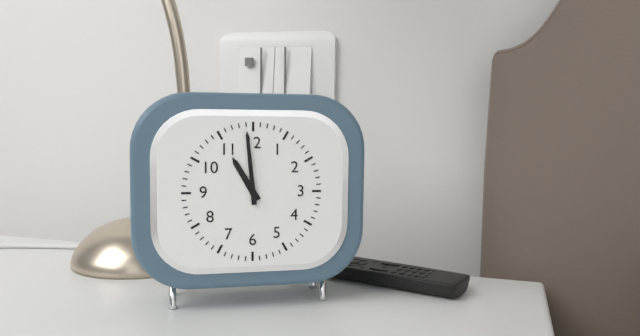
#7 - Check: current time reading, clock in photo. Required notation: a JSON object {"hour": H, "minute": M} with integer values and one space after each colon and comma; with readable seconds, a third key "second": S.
{"hour": 10, "minute": 59}
